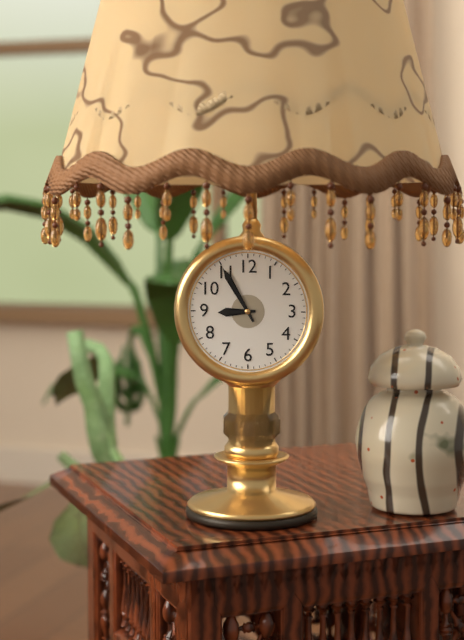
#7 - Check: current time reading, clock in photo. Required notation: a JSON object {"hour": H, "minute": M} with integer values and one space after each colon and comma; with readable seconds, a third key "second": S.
{"hour": 8, "minute": 55}
